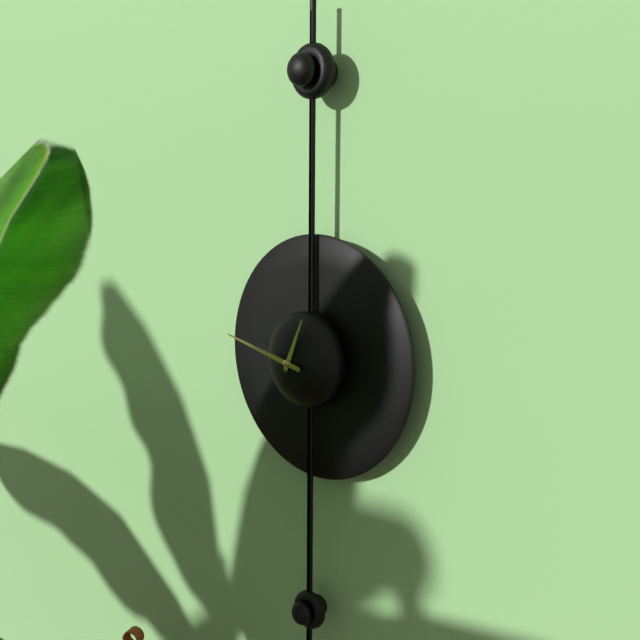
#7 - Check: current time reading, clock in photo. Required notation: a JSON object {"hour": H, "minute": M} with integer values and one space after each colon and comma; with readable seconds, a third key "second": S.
{"hour": 12, "minute": 47}
